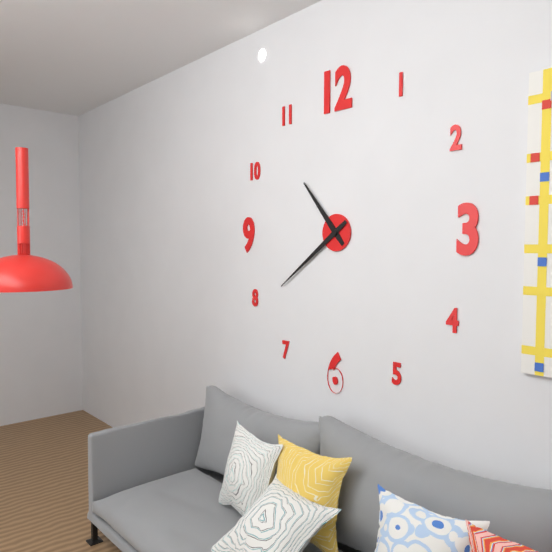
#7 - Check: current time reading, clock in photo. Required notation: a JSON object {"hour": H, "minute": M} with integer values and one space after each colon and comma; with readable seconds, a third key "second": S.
{"hour": 10, "minute": 39}
